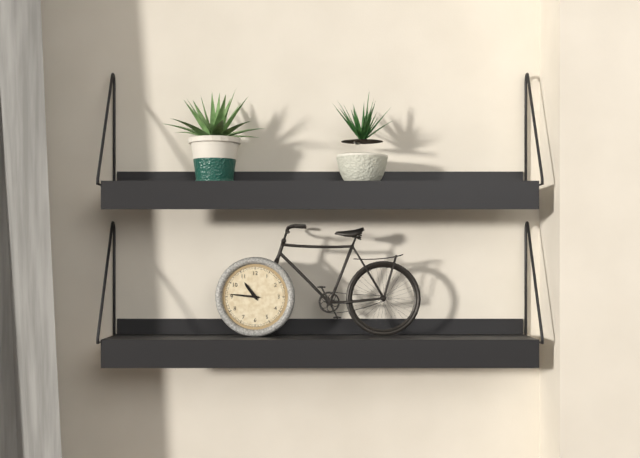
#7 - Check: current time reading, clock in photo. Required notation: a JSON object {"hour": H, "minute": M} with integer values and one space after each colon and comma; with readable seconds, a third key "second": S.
{"hour": 10, "minute": 46}
